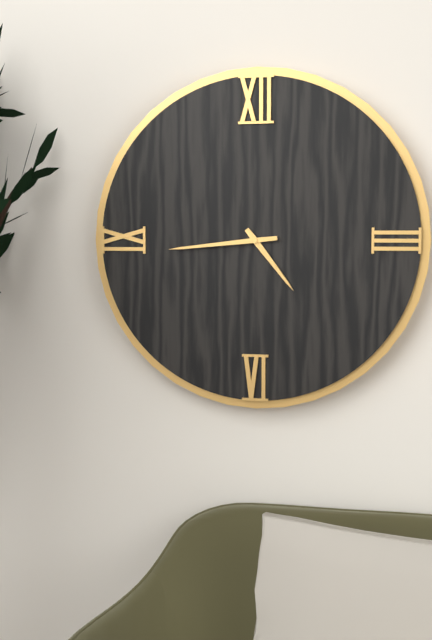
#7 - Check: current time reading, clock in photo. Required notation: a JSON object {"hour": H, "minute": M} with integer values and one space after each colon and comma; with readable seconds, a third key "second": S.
{"hour": 4, "minute": 44}
